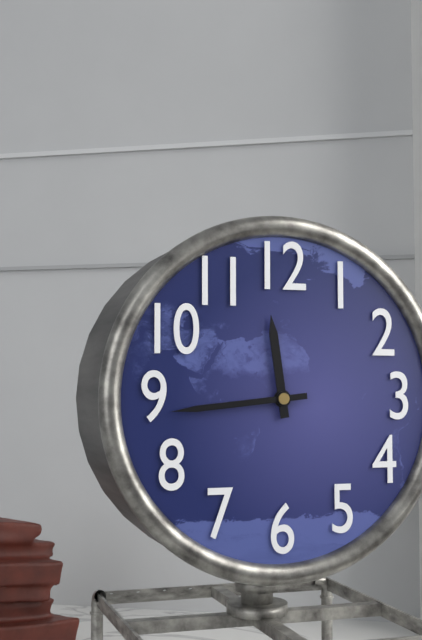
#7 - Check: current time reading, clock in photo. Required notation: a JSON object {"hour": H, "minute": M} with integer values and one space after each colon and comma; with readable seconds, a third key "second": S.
{"hour": 11, "minute": 44}
